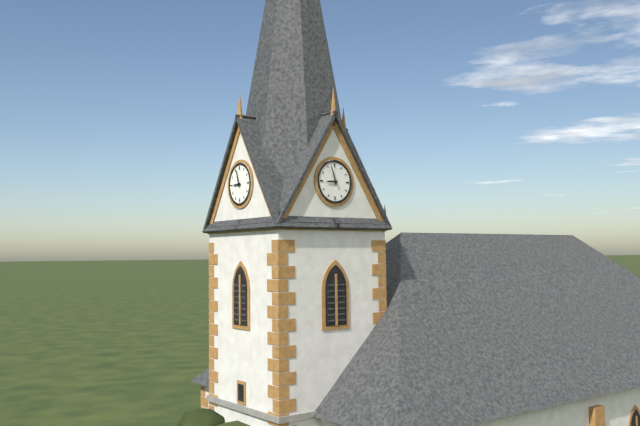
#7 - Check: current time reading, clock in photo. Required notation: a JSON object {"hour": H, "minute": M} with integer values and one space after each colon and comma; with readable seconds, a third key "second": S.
{"hour": 8, "minute": 57}
